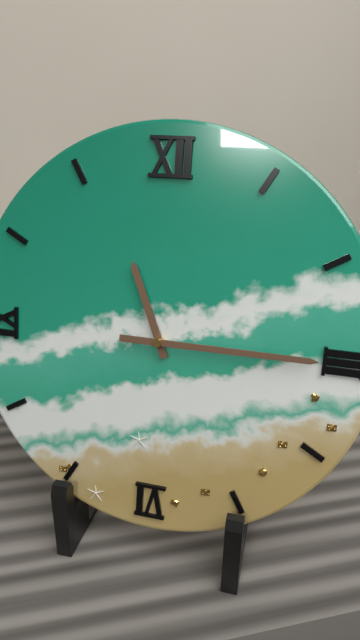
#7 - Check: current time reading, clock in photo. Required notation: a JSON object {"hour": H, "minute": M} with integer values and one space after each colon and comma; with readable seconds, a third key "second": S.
{"hour": 11, "minute": 15}
